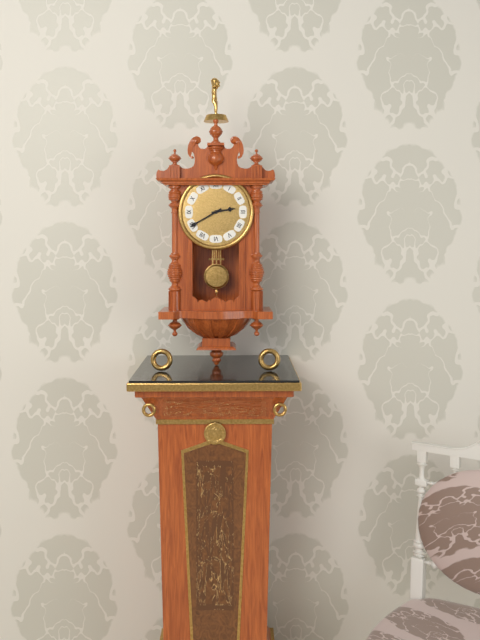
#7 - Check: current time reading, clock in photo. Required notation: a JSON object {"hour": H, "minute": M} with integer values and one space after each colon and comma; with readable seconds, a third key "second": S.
{"hour": 2, "minute": 40}
